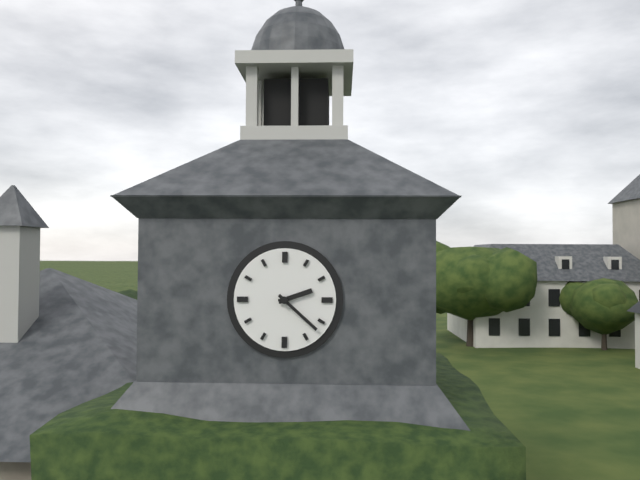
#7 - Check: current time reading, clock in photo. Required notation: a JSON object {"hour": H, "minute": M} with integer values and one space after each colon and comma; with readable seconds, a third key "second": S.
{"hour": 2, "minute": 22}
